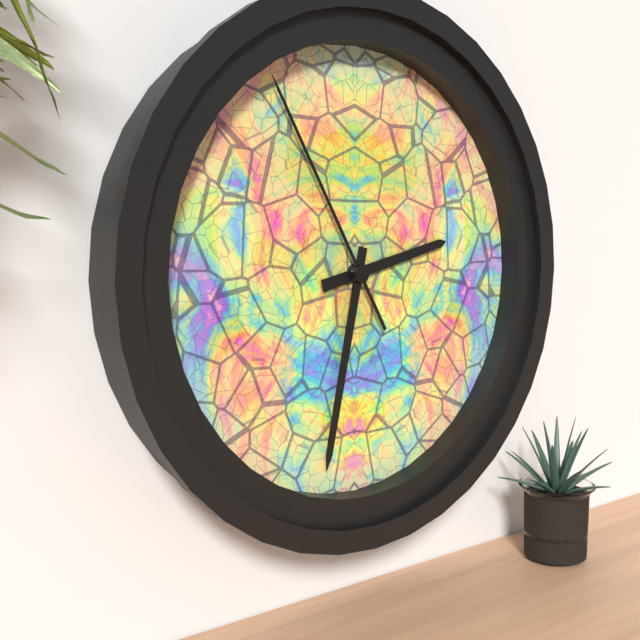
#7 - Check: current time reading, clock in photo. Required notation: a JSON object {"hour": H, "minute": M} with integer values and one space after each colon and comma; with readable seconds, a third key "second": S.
{"hour": 2, "minute": 32, "second": 55}
